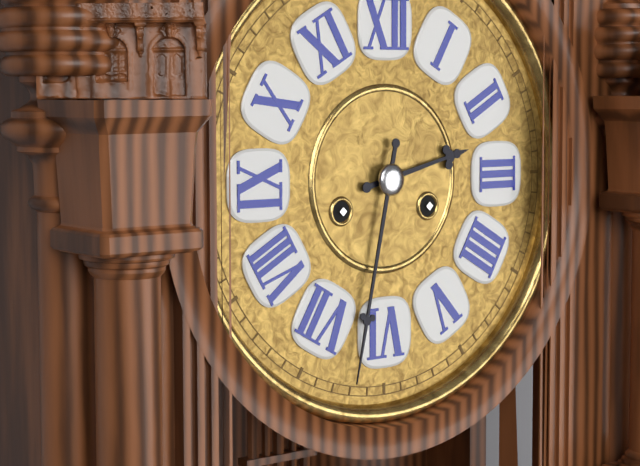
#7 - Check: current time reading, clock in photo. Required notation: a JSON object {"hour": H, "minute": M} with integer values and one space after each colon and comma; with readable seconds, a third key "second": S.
{"hour": 2, "minute": 32}
